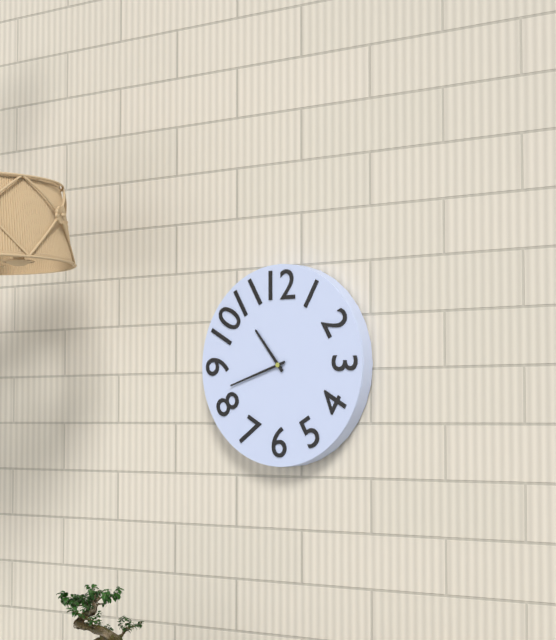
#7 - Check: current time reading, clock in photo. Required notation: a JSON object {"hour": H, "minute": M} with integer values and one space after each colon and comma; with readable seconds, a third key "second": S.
{"hour": 10, "minute": 42}
